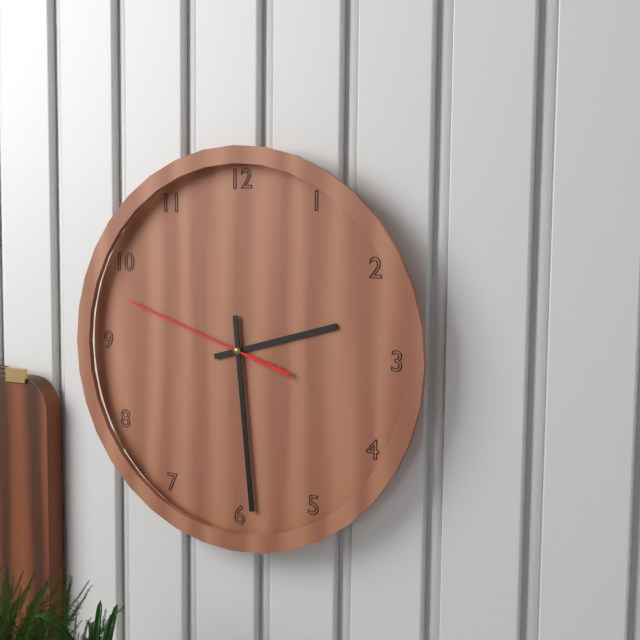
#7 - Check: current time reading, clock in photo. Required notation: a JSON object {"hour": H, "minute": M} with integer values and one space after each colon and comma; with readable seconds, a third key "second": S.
{"hour": 2, "minute": 29, "second": 48}
